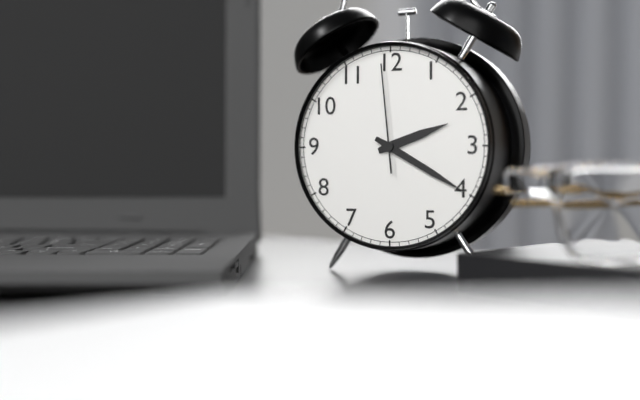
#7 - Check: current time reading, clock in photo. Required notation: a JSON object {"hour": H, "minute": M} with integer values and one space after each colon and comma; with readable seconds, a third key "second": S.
{"hour": 2, "minute": 20, "second": 59}
